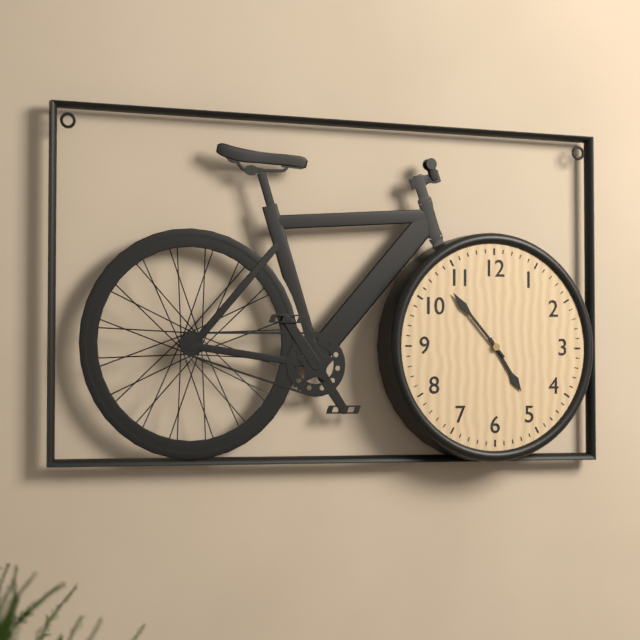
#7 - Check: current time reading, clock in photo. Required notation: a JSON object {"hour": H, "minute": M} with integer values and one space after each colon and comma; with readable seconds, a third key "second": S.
{"hour": 4, "minute": 53}
